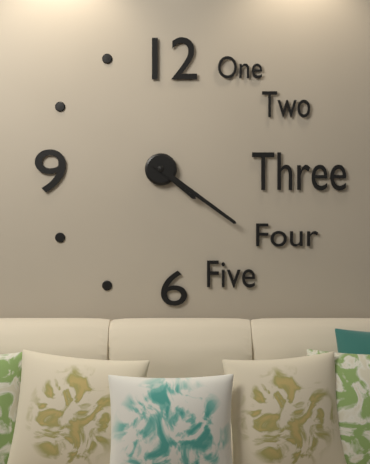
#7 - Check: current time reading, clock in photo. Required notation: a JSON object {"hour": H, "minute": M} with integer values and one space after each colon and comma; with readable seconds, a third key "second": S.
{"hour": 4, "minute": 21}
